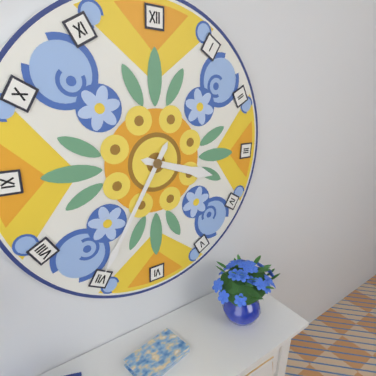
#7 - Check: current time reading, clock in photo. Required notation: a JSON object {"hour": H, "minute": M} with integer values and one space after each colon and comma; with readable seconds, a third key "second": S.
{"hour": 3, "minute": 35}
